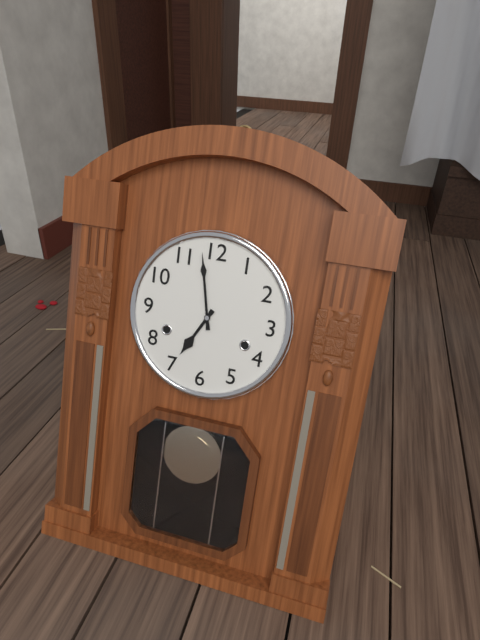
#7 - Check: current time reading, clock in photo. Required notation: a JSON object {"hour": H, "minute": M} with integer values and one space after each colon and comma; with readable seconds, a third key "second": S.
{"hour": 6, "minute": 58}
